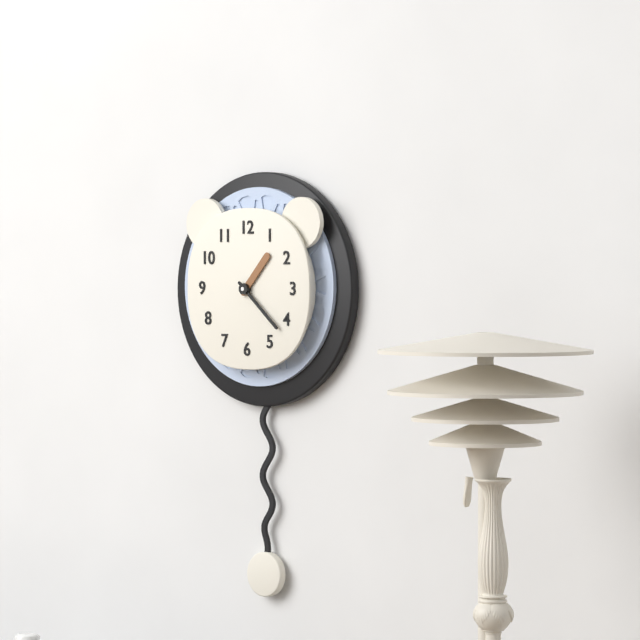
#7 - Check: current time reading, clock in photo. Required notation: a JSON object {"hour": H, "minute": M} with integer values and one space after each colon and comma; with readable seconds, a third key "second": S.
{"hour": 1, "minute": 22}
